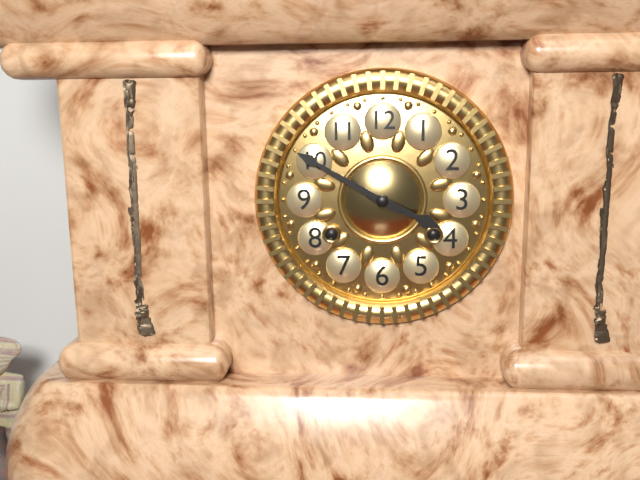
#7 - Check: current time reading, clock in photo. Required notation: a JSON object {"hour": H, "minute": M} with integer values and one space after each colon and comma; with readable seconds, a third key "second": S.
{"hour": 3, "minute": 50}
